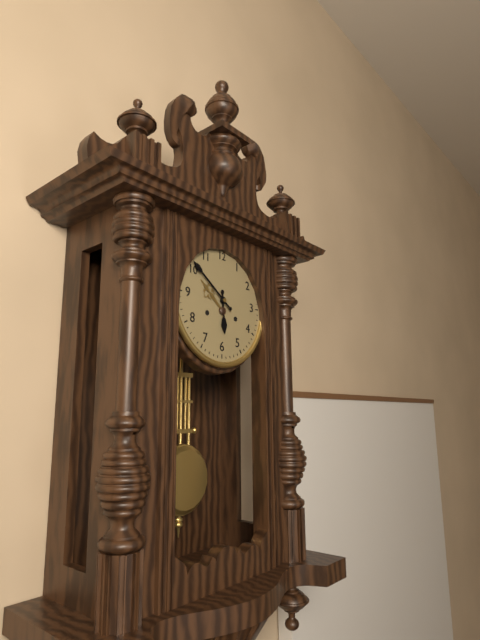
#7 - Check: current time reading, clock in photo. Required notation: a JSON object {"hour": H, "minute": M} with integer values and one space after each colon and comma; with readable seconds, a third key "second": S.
{"hour": 5, "minute": 51}
